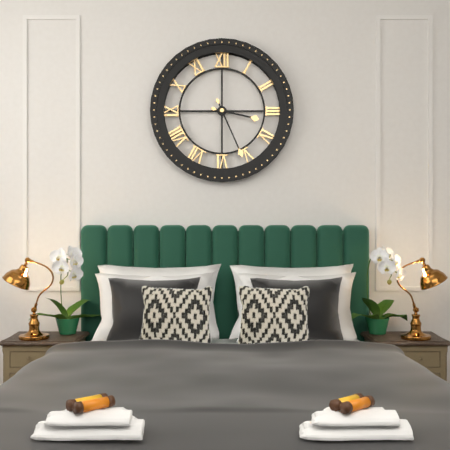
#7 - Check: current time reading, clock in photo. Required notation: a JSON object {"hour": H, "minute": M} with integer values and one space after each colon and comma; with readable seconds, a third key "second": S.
{"hour": 3, "minute": 26}
